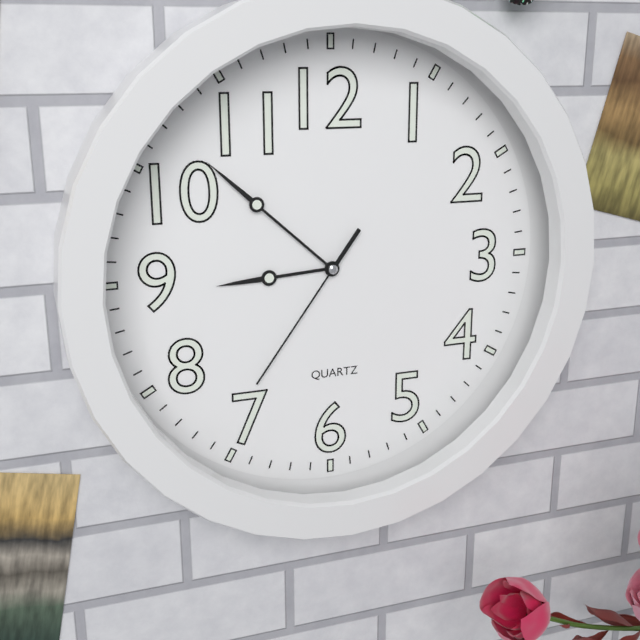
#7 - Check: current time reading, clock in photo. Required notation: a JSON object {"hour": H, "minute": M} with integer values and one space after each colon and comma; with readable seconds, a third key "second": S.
{"hour": 8, "minute": 52, "second": 36}
